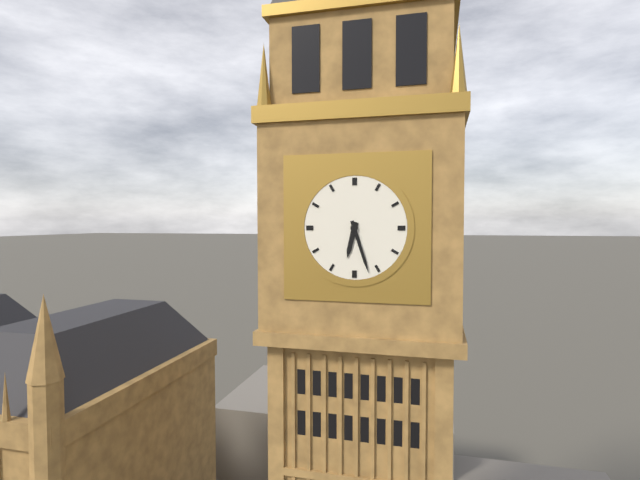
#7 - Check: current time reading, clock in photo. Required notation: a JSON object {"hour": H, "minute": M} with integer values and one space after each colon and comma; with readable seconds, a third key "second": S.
{"hour": 6, "minute": 27}
